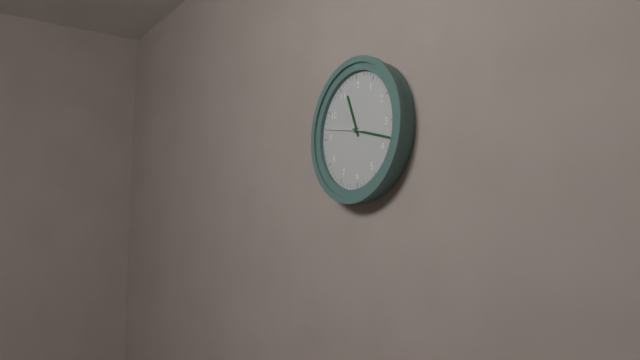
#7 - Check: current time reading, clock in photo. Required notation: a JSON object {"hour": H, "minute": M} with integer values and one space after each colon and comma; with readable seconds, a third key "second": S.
{"hour": 11, "minute": 18}
